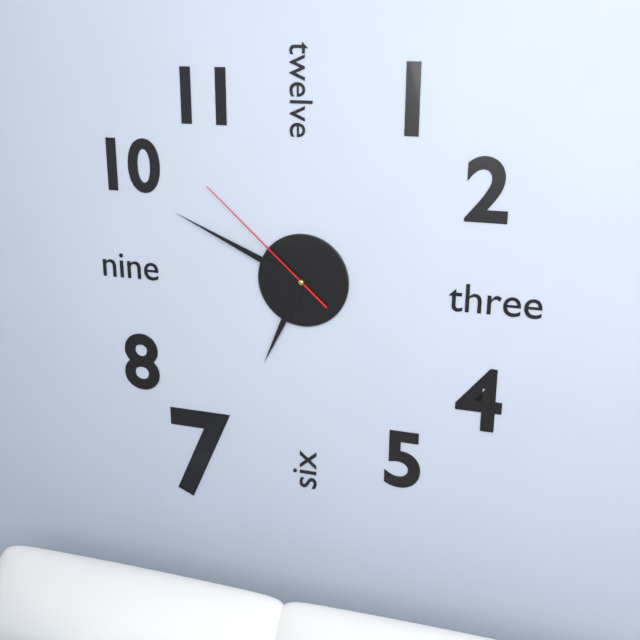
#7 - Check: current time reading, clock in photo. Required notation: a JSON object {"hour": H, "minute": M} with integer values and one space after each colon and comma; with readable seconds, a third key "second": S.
{"hour": 6, "minute": 49, "second": 52}
